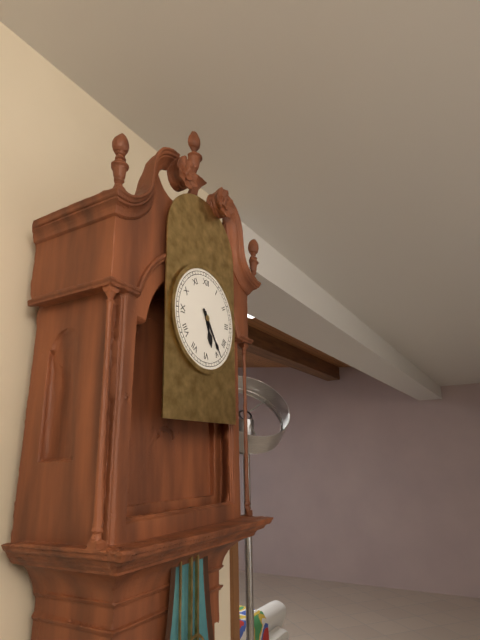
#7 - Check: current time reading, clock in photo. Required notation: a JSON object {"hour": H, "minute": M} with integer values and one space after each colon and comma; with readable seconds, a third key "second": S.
{"hour": 5, "minute": 24}
